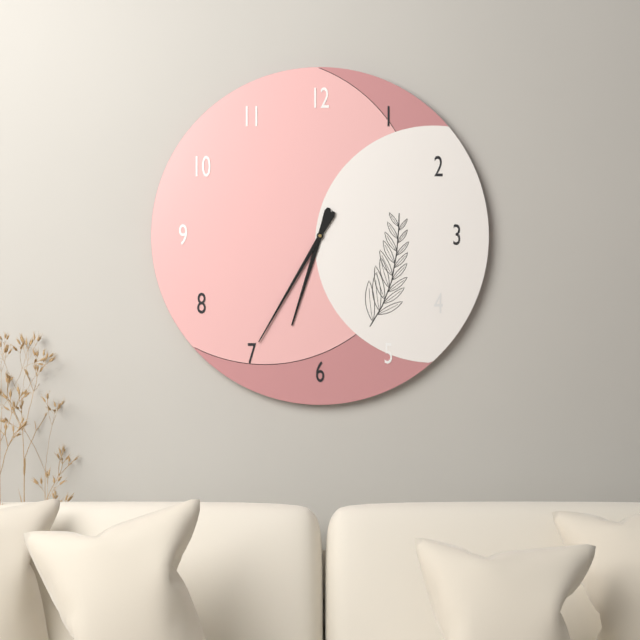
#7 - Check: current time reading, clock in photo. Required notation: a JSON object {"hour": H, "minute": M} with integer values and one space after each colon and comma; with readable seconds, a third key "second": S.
{"hour": 6, "minute": 35}
